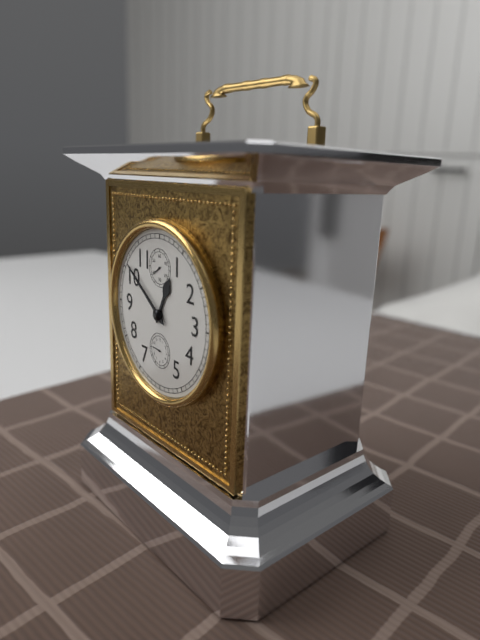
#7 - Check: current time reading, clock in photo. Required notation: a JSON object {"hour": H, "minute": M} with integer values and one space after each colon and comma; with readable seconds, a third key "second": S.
{"hour": 12, "minute": 51}
